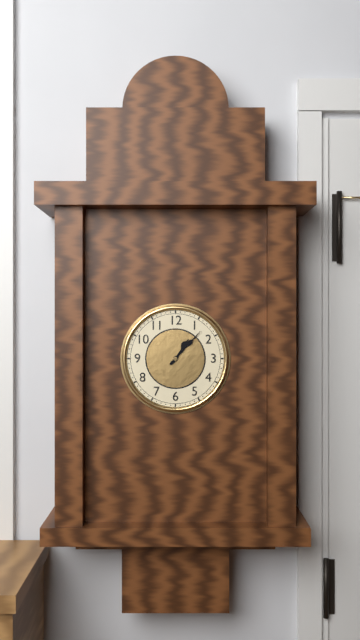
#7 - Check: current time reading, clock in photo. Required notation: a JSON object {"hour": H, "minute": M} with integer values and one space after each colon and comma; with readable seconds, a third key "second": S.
{"hour": 1, "minute": 7}
